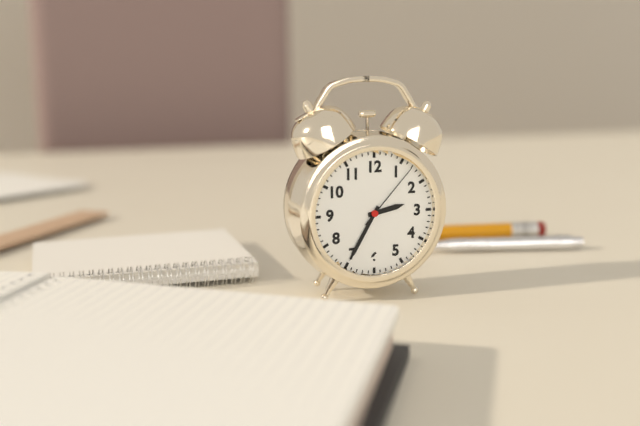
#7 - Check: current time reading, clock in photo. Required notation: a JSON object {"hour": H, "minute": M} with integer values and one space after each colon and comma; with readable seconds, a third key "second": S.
{"hour": 2, "minute": 35, "second": 7}
